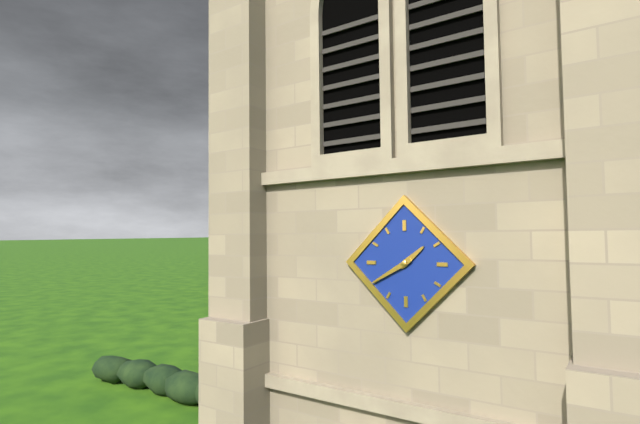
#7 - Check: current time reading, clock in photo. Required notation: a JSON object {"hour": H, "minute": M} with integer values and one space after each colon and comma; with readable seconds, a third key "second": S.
{"hour": 1, "minute": 40}
